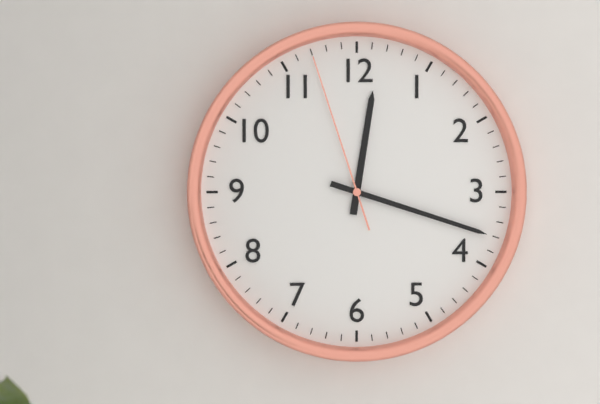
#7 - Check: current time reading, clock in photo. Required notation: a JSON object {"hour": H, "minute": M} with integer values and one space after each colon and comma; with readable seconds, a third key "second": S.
{"hour": 12, "minute": 18, "second": 57}
